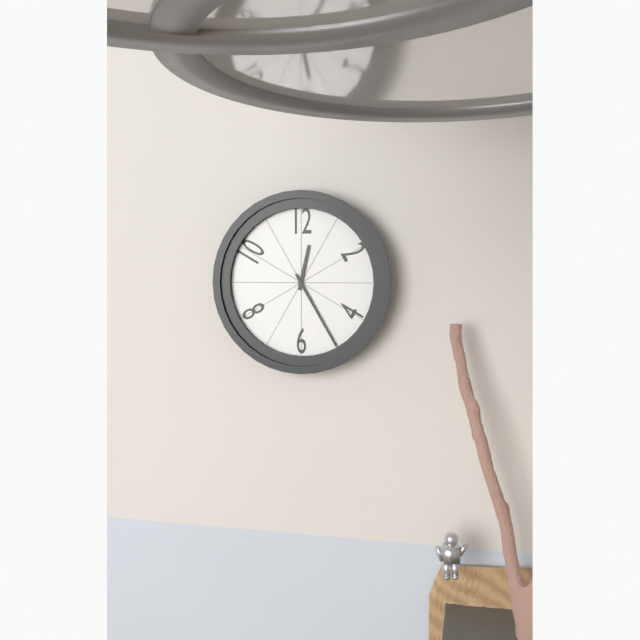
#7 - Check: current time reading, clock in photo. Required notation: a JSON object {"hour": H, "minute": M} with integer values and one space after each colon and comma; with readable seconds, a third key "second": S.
{"hour": 12, "minute": 25}
